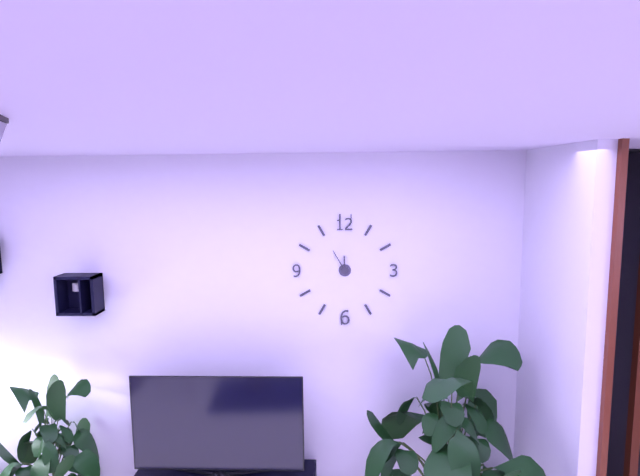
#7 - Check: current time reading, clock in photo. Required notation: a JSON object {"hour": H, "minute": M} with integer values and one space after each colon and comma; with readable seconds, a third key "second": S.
{"hour": 11, "minute": 55}
